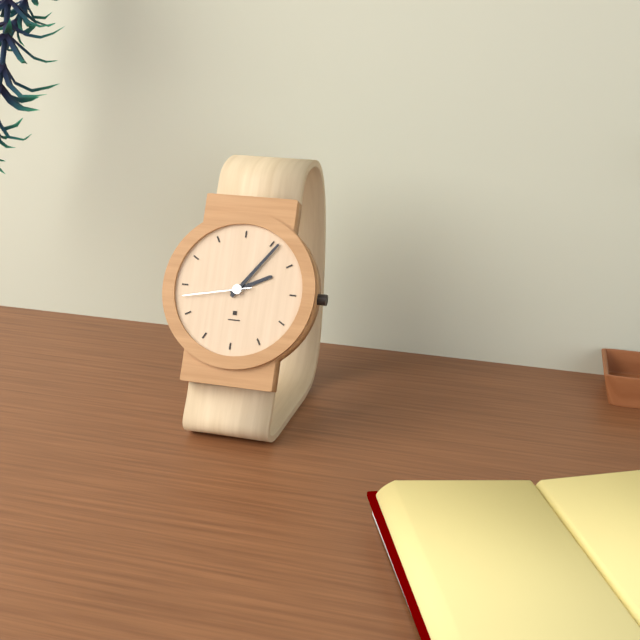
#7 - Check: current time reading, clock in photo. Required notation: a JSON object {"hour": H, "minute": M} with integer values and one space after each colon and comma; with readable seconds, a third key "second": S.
{"hour": 2, "minute": 6, "second": 43}
